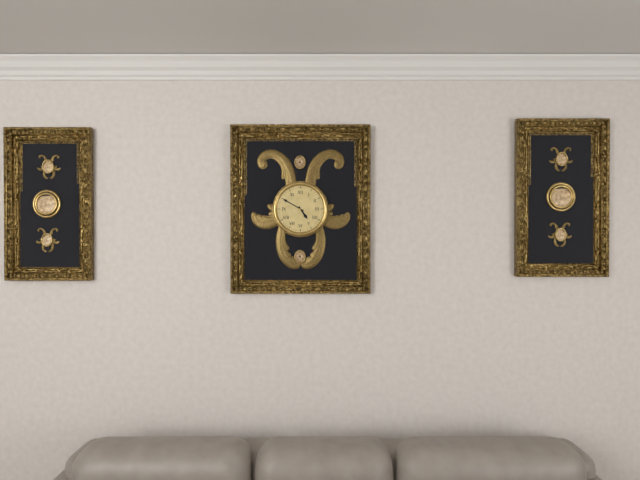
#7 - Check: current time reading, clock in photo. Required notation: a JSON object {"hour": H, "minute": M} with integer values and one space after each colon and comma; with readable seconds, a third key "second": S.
{"hour": 4, "minute": 50}
